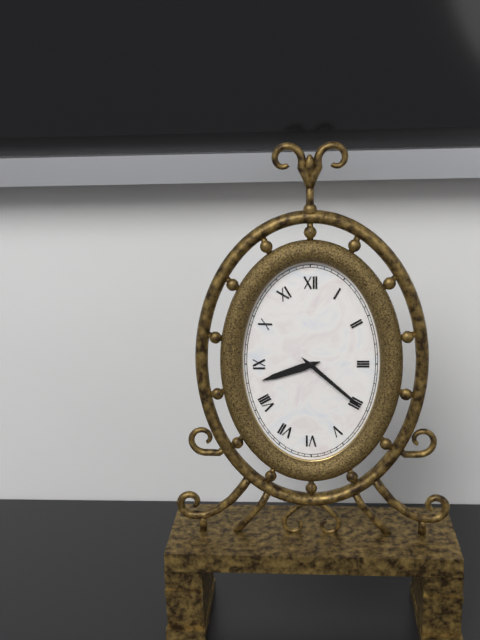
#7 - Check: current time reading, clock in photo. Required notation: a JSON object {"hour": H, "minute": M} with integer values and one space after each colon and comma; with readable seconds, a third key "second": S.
{"hour": 8, "minute": 22}
